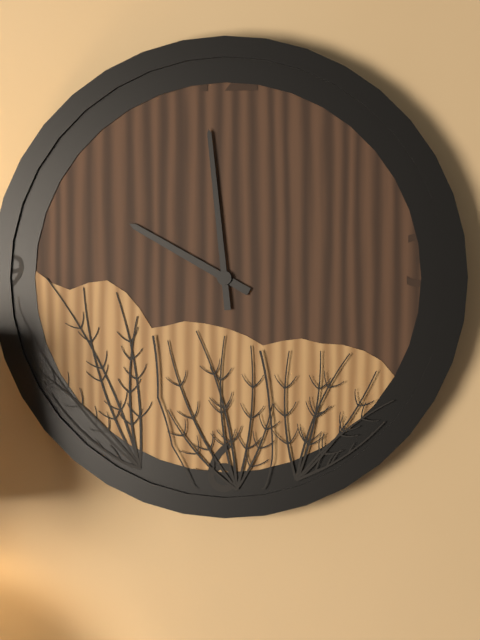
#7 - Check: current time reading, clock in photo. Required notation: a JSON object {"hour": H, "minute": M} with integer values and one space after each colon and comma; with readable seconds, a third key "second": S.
{"hour": 9, "minute": 59}
